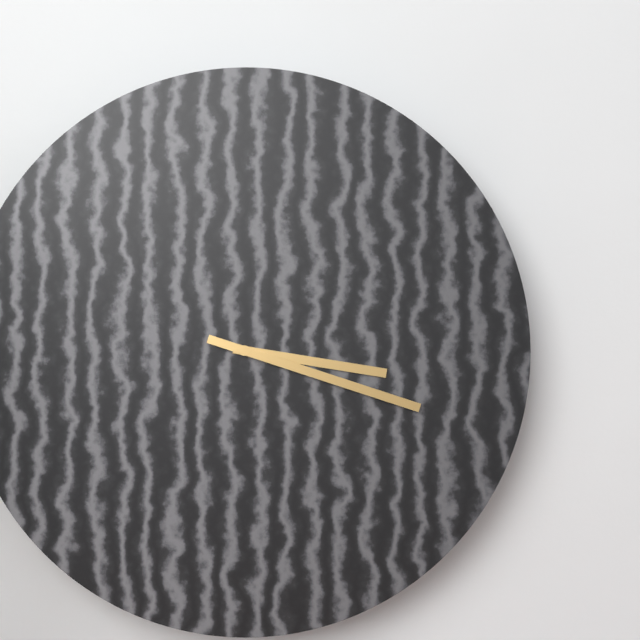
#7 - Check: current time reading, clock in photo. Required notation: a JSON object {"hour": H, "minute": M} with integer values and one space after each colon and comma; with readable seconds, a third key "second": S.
{"hour": 3, "minute": 18}
